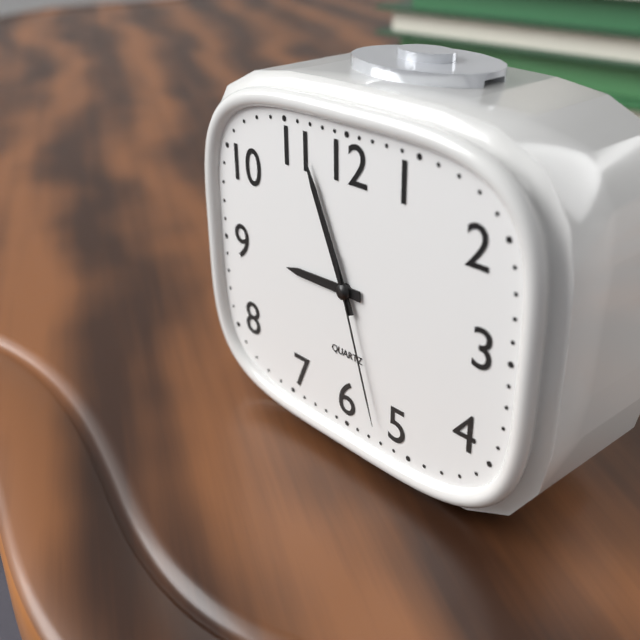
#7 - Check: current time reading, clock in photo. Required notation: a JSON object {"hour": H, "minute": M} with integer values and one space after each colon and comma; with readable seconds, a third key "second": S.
{"hour": 8, "minute": 56, "second": 27}
